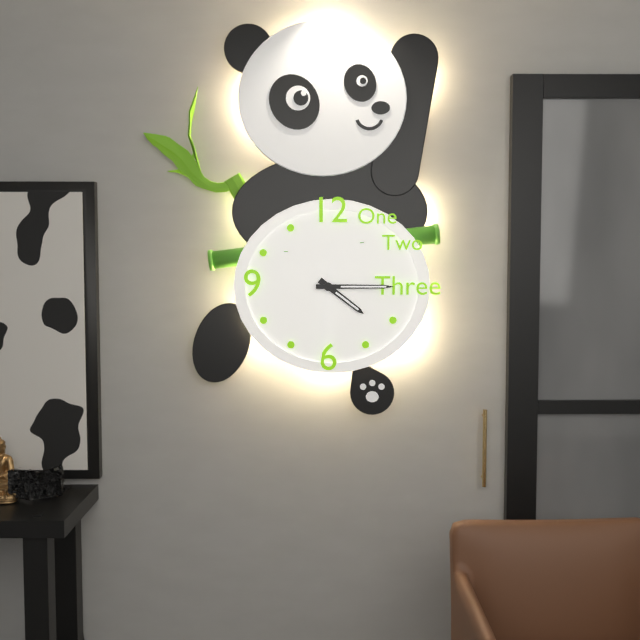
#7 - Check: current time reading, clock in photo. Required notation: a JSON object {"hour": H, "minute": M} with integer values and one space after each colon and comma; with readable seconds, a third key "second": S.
{"hour": 4, "minute": 15, "second": 31}
